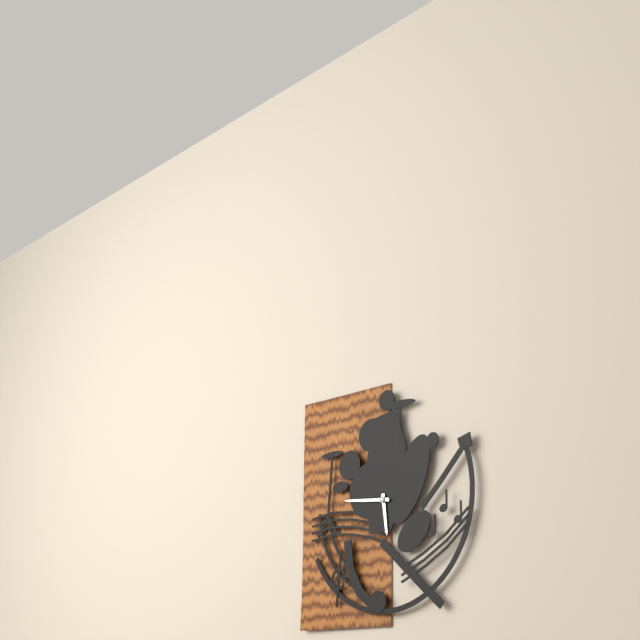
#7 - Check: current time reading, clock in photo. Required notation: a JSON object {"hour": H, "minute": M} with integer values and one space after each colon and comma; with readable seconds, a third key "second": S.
{"hour": 5, "minute": 46}
